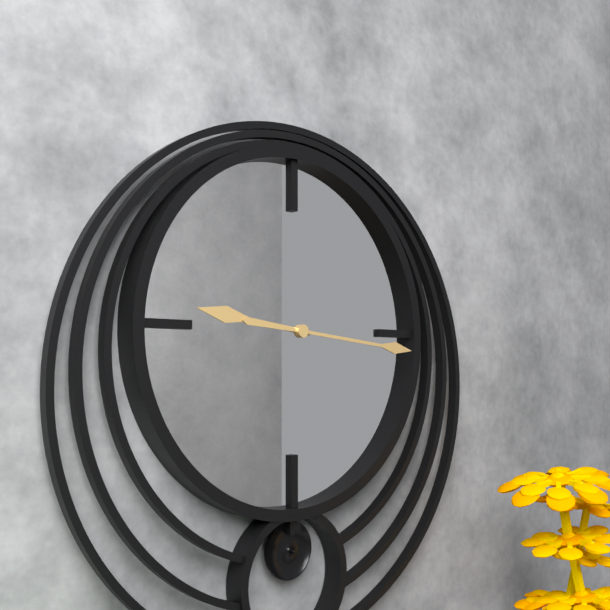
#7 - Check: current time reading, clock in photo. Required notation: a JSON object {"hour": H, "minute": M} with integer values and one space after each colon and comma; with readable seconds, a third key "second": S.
{"hour": 9, "minute": 16}
